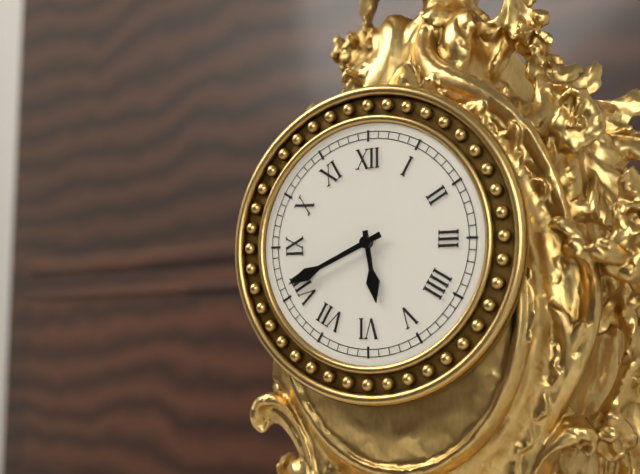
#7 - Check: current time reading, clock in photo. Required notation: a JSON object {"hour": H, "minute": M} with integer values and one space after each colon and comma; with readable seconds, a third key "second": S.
{"hour": 5, "minute": 41}
